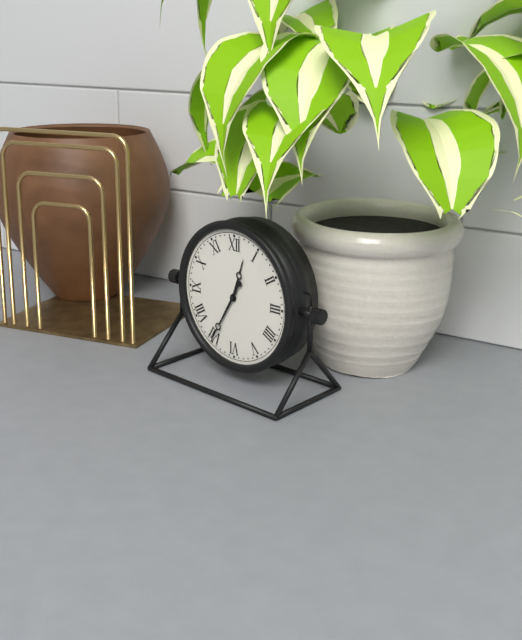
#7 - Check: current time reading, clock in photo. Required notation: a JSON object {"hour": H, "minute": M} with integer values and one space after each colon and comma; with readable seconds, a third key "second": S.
{"hour": 12, "minute": 35}
